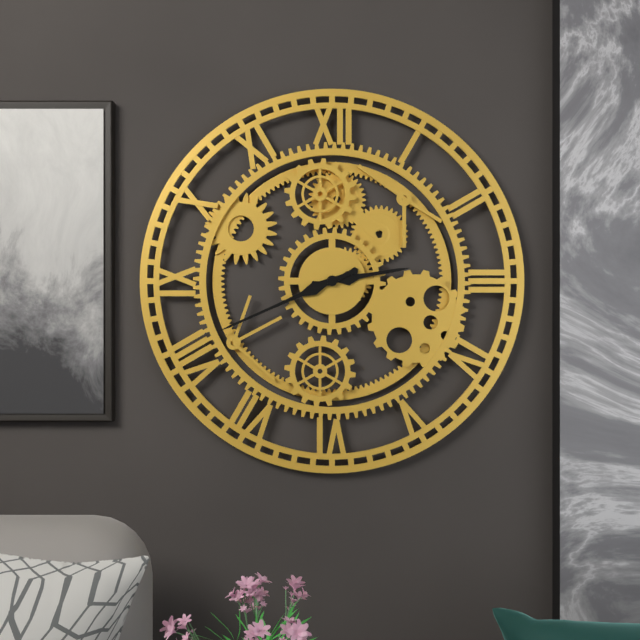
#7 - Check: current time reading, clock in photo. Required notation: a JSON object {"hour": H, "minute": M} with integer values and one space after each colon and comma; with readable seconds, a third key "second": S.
{"hour": 2, "minute": 41}
